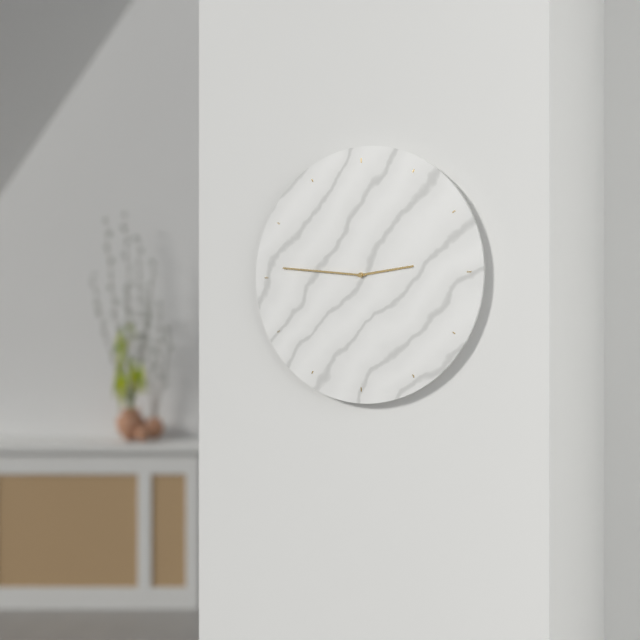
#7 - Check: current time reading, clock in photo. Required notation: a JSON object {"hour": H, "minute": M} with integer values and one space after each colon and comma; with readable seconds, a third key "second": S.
{"hour": 2, "minute": 46}
